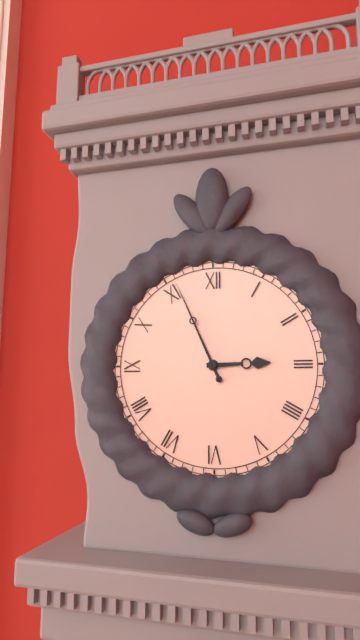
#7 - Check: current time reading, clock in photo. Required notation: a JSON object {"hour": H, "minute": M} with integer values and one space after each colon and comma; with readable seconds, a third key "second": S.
{"hour": 2, "minute": 56}
